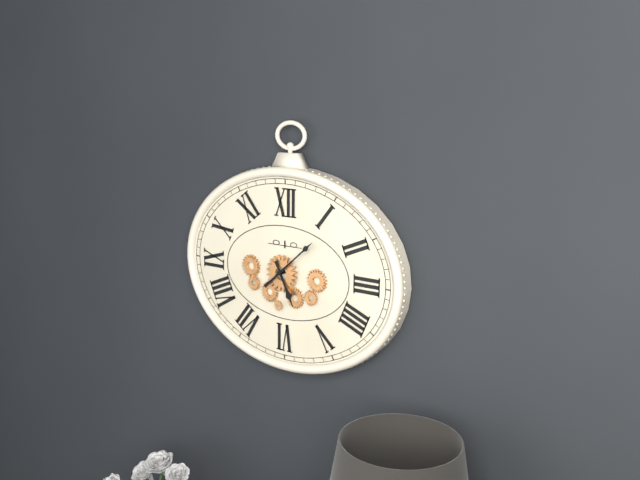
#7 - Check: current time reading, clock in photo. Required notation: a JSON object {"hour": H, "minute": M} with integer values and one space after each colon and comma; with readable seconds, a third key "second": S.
{"hour": 5, "minute": 8}
